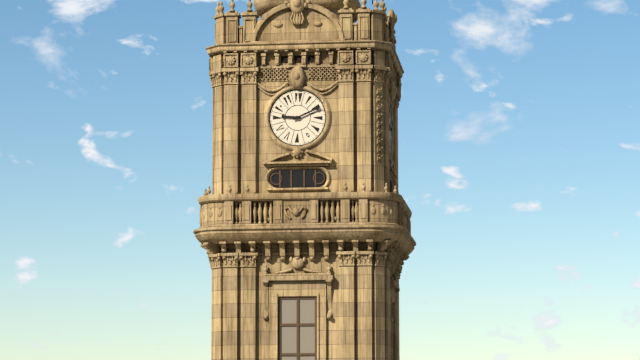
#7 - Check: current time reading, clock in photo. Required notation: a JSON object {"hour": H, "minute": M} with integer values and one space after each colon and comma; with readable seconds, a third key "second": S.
{"hour": 9, "minute": 11}
